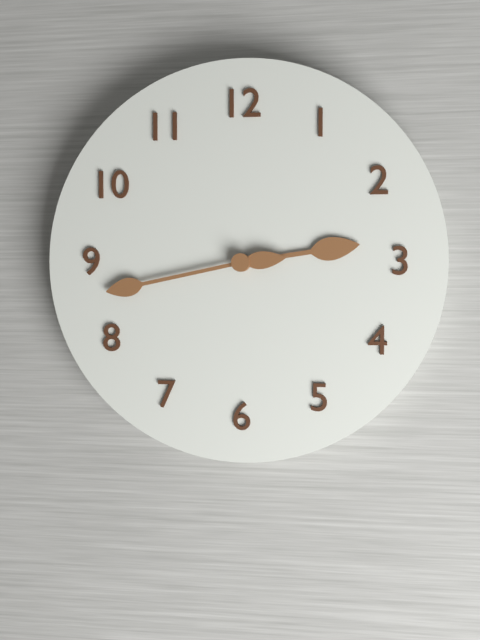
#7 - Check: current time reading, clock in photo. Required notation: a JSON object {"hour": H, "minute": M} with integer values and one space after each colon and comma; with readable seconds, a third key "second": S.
{"hour": 2, "minute": 43, "second": 14}
